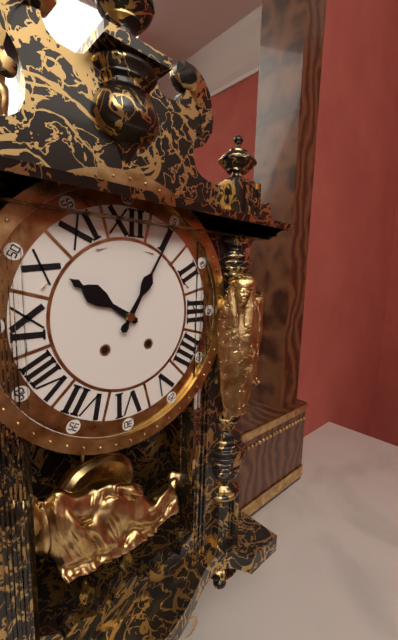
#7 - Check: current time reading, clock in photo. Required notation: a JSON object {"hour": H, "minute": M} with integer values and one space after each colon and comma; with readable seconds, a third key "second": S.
{"hour": 10, "minute": 5}
